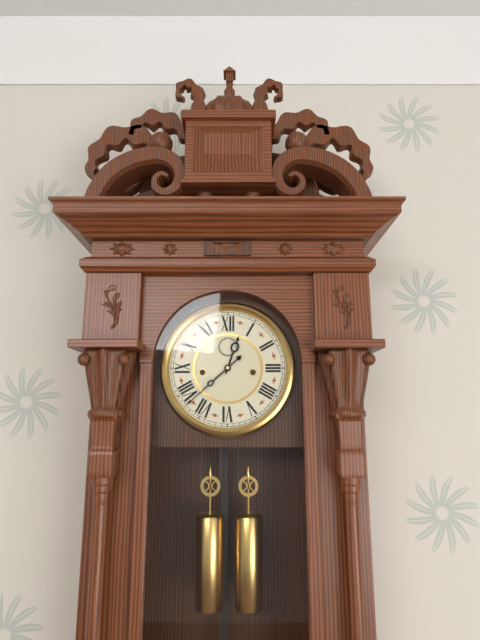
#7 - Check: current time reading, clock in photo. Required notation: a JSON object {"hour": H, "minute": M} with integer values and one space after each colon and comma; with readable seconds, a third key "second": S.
{"hour": 12, "minute": 38}
